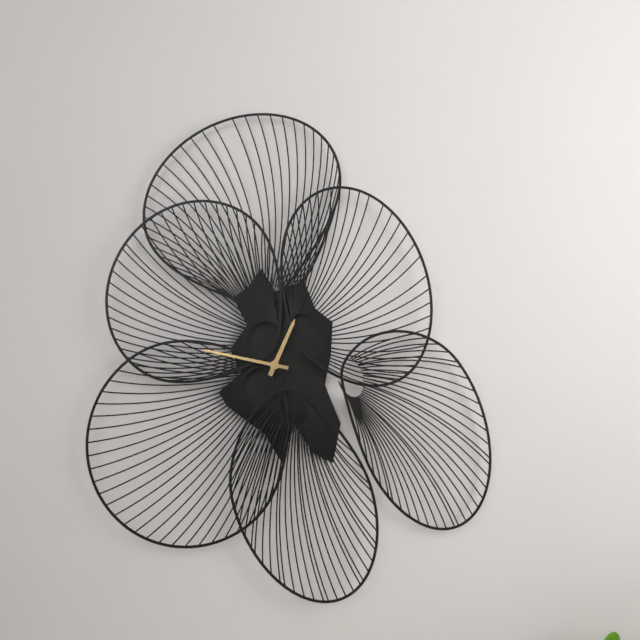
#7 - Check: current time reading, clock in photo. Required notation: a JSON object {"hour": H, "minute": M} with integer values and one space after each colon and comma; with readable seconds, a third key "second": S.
{"hour": 12, "minute": 47}
